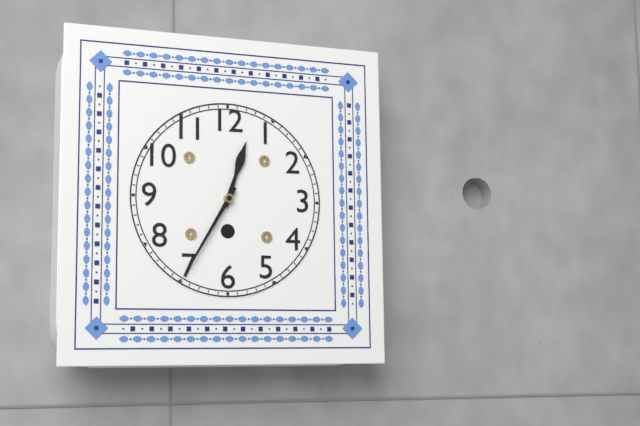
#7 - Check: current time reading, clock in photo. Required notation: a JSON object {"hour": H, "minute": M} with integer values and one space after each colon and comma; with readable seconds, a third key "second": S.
{"hour": 12, "minute": 35}
